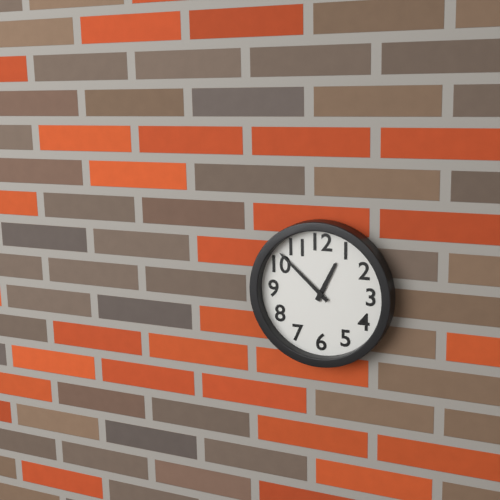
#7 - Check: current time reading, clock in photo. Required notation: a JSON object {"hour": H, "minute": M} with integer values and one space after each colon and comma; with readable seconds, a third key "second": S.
{"hour": 12, "minute": 52}
